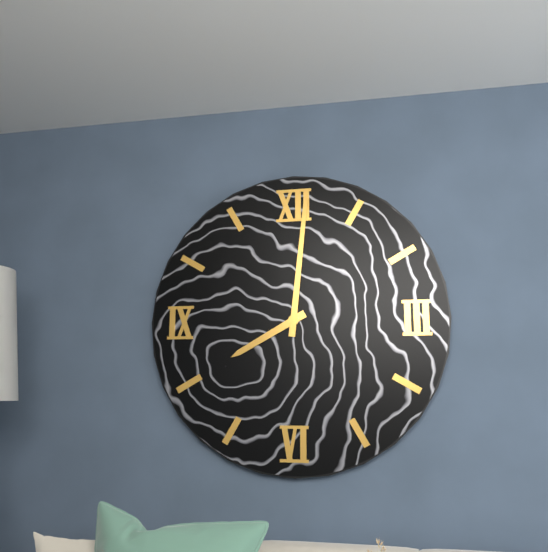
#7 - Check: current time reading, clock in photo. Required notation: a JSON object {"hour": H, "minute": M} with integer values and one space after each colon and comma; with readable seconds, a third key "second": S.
{"hour": 8, "minute": 1}
